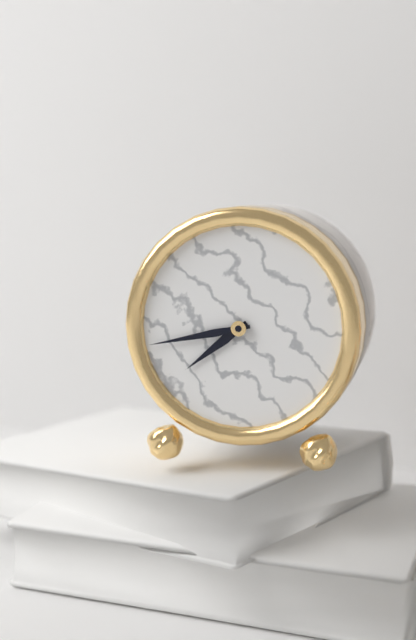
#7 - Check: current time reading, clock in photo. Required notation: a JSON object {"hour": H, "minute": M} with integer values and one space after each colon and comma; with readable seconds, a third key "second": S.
{"hour": 7, "minute": 43}
